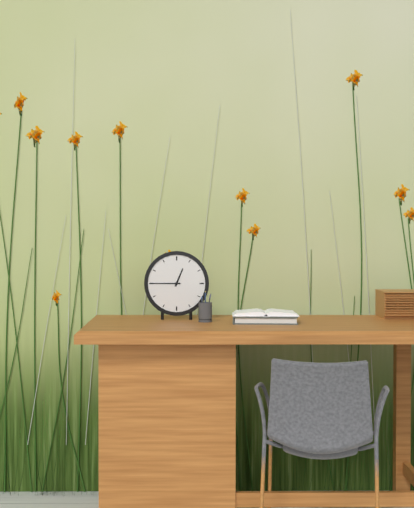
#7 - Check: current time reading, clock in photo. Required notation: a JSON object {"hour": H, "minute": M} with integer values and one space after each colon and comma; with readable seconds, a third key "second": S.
{"hour": 12, "minute": 45}
